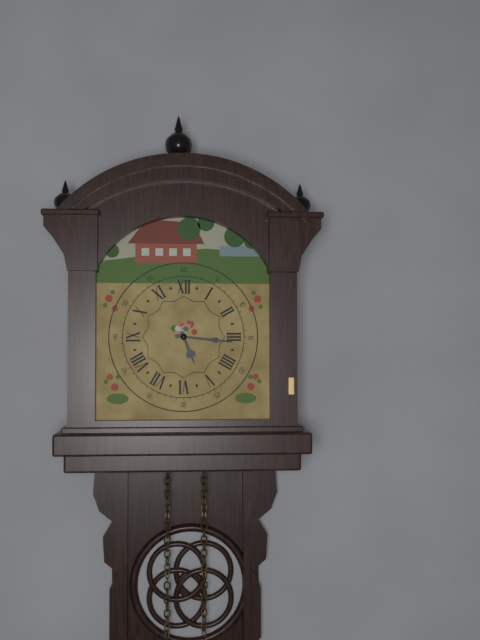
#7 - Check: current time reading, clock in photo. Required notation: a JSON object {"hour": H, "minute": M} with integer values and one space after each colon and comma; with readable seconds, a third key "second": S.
{"hour": 5, "minute": 16}
